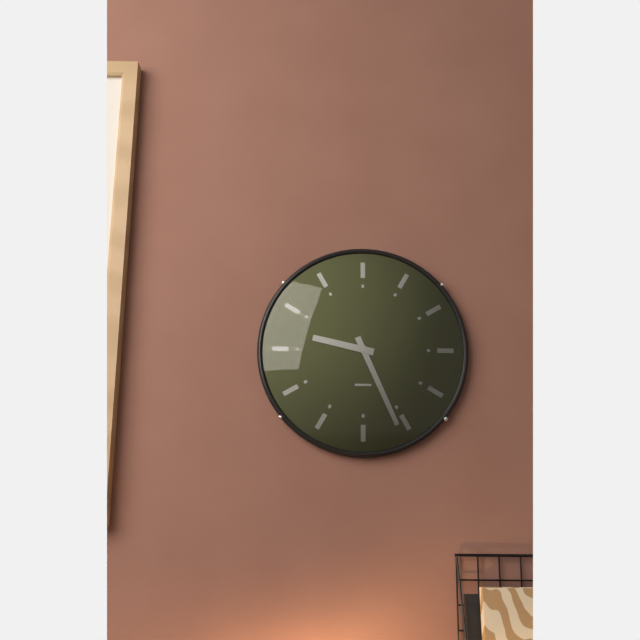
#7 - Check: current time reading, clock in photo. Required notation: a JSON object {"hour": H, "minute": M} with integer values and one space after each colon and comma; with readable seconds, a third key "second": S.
{"hour": 9, "minute": 26}
